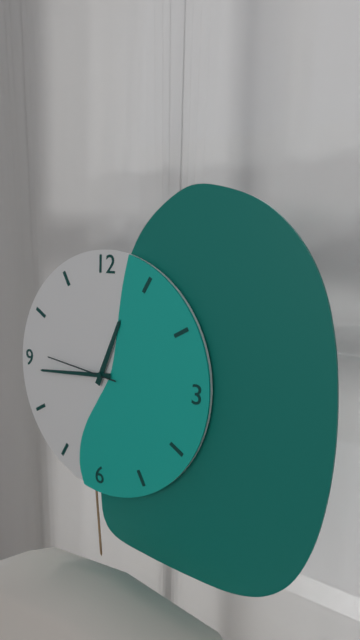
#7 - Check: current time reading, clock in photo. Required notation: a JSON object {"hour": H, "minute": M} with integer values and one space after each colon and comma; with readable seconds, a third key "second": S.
{"hour": 12, "minute": 44, "second": 46}
